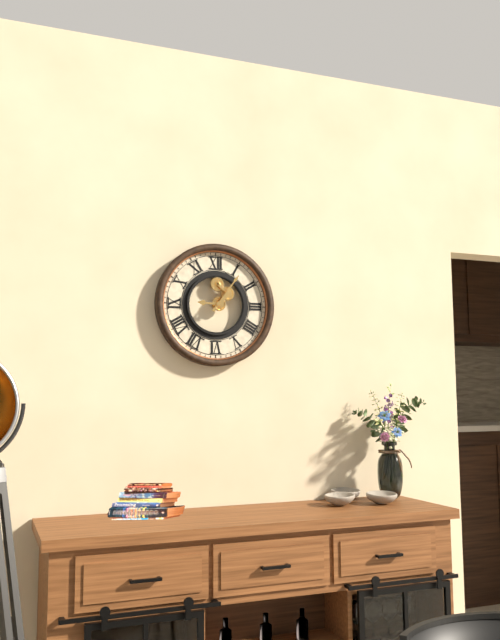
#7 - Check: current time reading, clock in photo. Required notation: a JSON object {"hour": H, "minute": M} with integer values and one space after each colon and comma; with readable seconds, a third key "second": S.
{"hour": 9, "minute": 6}
